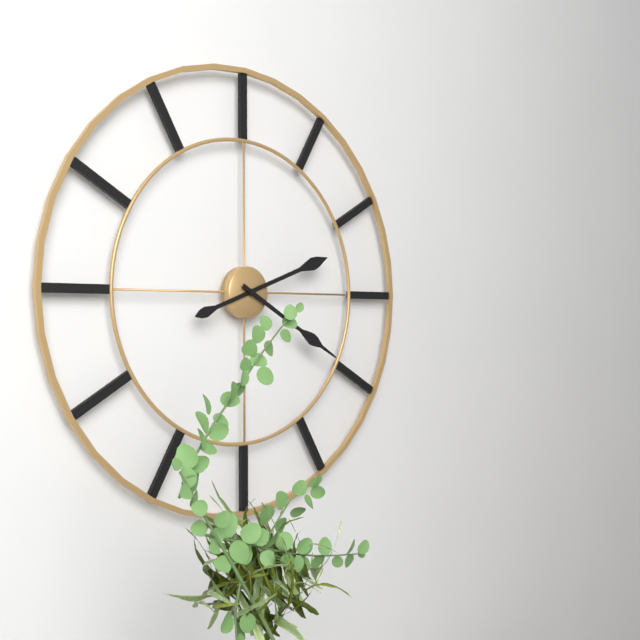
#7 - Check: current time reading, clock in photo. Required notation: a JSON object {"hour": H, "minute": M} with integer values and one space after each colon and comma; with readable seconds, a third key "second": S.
{"hour": 2, "minute": 20}
